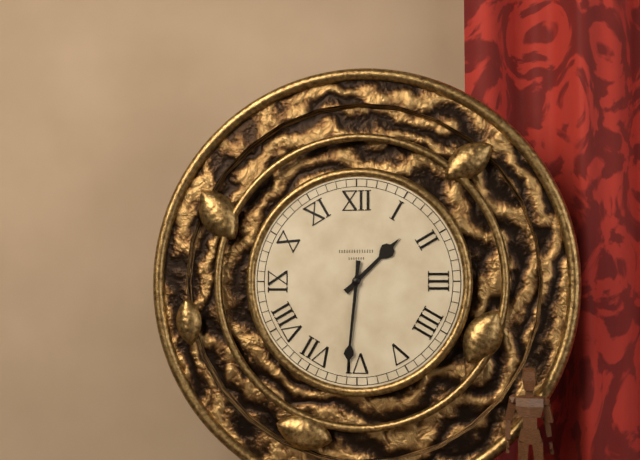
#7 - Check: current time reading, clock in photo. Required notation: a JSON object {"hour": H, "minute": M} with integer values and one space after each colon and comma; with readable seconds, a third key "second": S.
{"hour": 1, "minute": 31}
